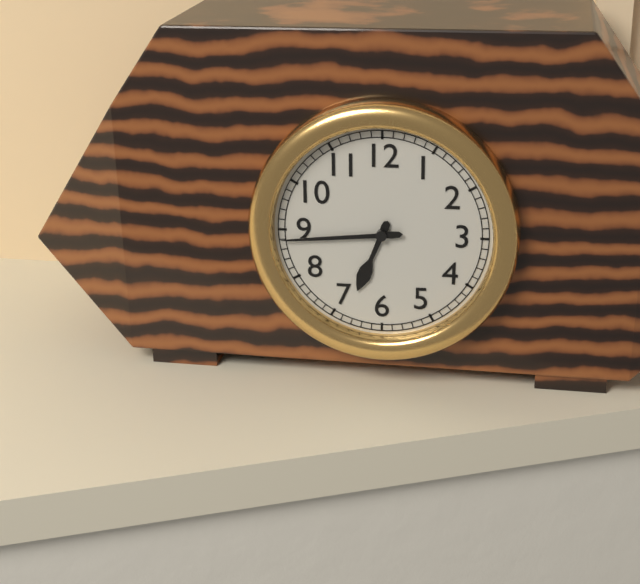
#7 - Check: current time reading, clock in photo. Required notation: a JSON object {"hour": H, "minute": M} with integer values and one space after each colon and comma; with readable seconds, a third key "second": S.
{"hour": 6, "minute": 44}
